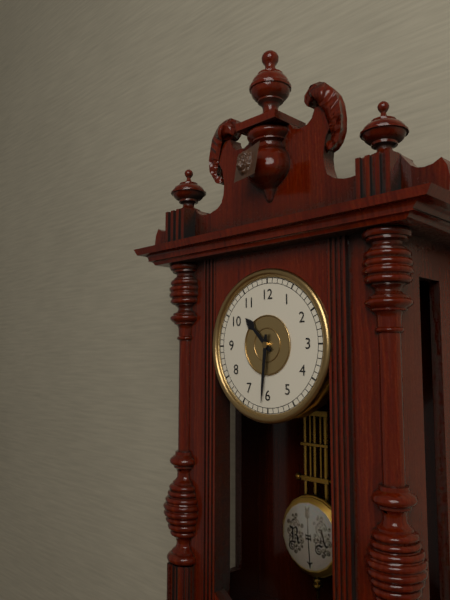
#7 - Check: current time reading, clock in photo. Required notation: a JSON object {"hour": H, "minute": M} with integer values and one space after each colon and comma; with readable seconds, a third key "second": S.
{"hour": 10, "minute": 31}
